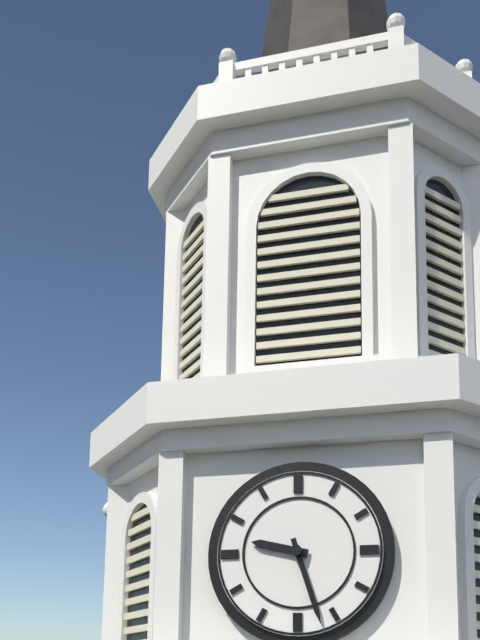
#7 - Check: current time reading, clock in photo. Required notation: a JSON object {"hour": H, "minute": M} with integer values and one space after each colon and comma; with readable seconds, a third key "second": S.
{"hour": 9, "minute": 27}
